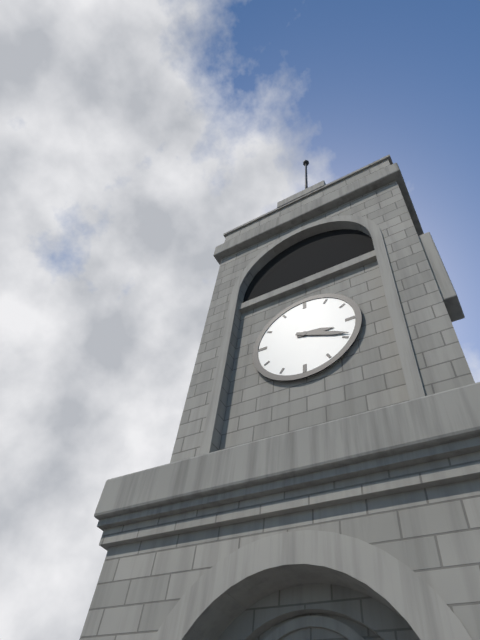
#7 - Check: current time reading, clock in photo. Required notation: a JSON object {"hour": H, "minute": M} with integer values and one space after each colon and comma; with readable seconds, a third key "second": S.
{"hour": 3, "minute": 19}
